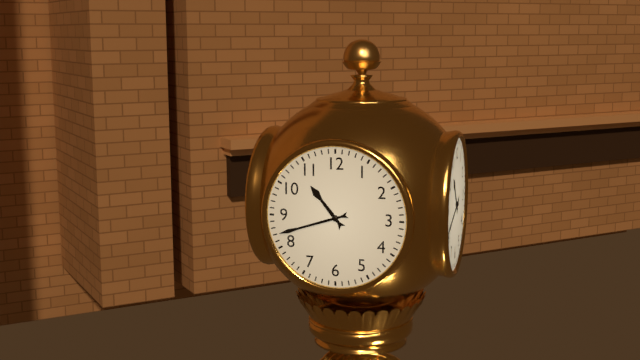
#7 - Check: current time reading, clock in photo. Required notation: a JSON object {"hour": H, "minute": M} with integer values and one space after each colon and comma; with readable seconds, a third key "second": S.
{"hour": 10, "minute": 42}
